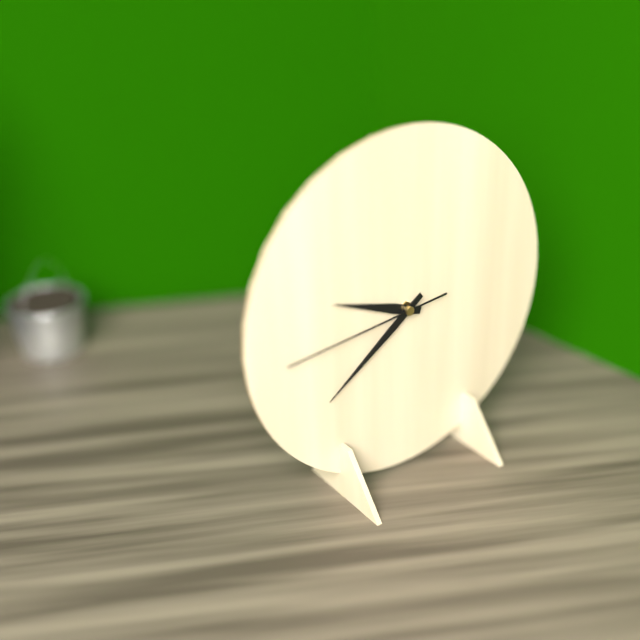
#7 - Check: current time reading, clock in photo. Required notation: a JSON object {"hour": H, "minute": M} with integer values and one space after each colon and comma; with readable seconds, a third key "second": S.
{"hour": 9, "minute": 39, "second": 44}
